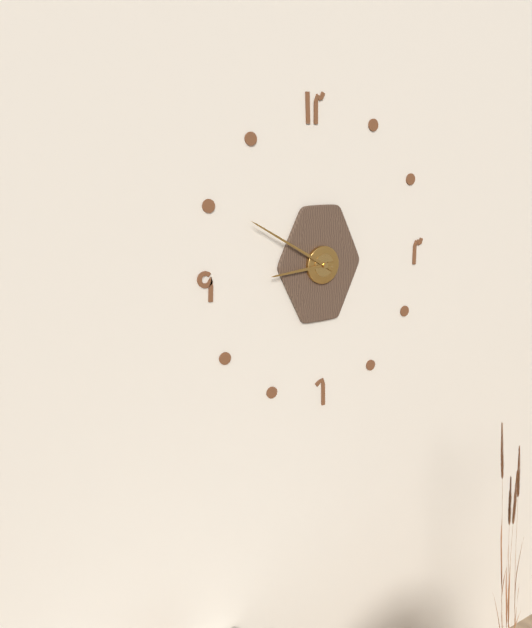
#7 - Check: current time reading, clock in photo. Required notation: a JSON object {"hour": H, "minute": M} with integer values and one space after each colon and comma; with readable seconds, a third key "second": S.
{"hour": 8, "minute": 50}
